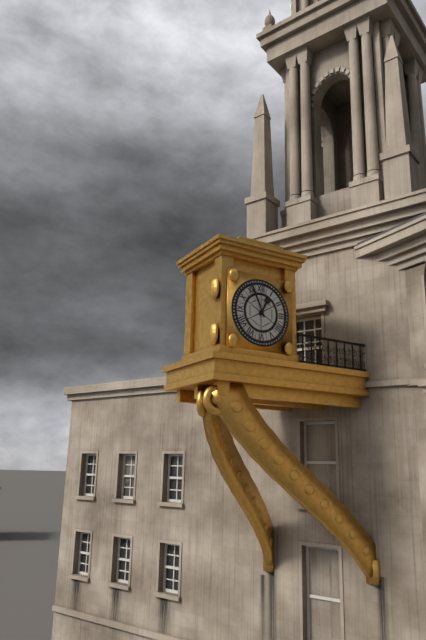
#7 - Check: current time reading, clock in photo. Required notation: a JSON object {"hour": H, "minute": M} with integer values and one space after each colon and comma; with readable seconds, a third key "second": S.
{"hour": 12, "minute": 56}
